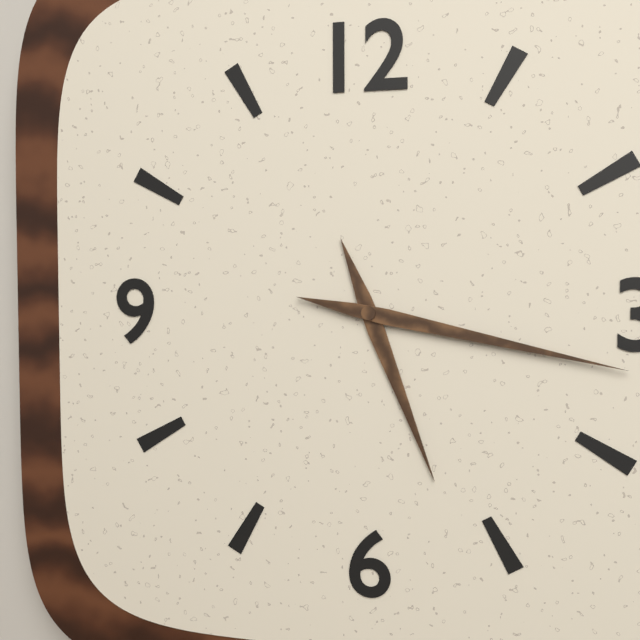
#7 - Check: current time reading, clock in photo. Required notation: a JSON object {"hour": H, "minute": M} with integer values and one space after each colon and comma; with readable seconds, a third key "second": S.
{"hour": 5, "minute": 17}
